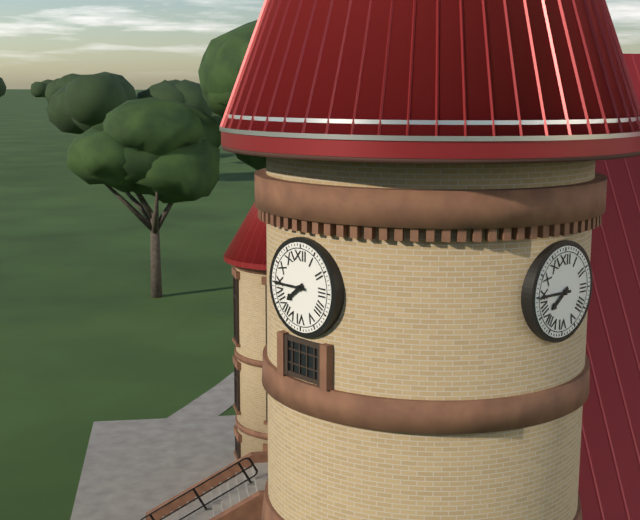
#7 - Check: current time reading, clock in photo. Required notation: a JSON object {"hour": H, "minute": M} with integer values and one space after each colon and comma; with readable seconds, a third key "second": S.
{"hour": 7, "minute": 45}
